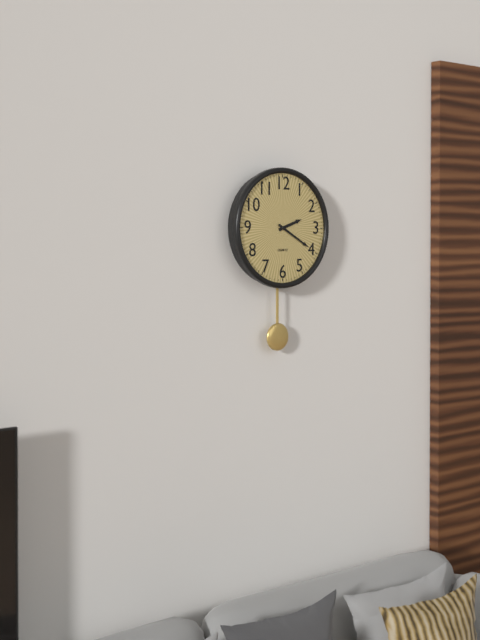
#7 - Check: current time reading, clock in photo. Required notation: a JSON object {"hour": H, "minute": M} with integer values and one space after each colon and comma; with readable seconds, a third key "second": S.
{"hour": 2, "minute": 20}
